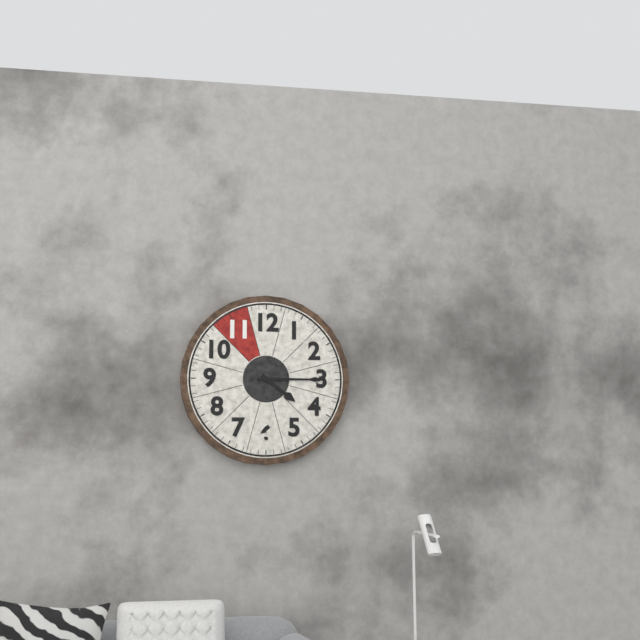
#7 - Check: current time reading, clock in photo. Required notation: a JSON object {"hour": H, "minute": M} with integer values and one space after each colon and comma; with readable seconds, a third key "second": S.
{"hour": 4, "minute": 15}
